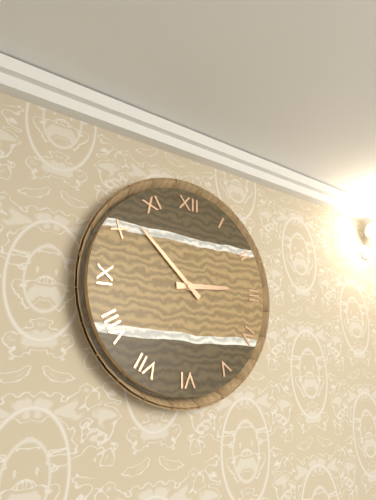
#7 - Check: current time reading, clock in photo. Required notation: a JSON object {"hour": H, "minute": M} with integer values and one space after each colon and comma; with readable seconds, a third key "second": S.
{"hour": 2, "minute": 52}
